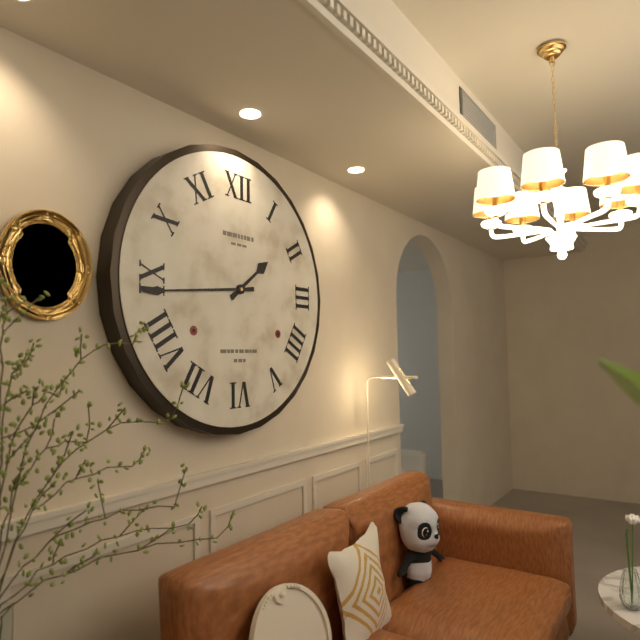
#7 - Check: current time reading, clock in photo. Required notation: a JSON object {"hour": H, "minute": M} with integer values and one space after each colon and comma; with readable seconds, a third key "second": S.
{"hour": 1, "minute": 44}
